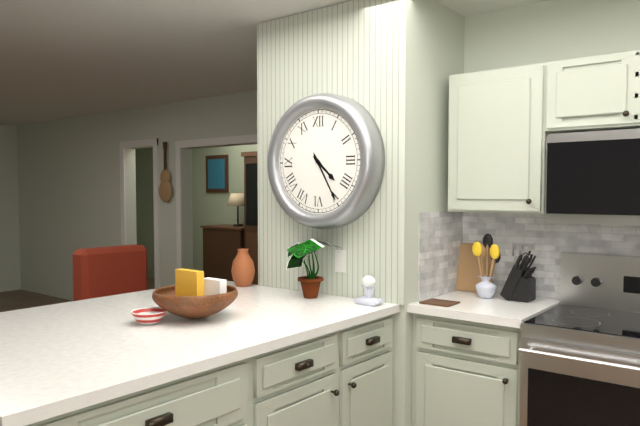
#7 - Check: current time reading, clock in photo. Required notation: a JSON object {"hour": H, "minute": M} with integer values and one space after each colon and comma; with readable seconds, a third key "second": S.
{"hour": 4, "minute": 25}
